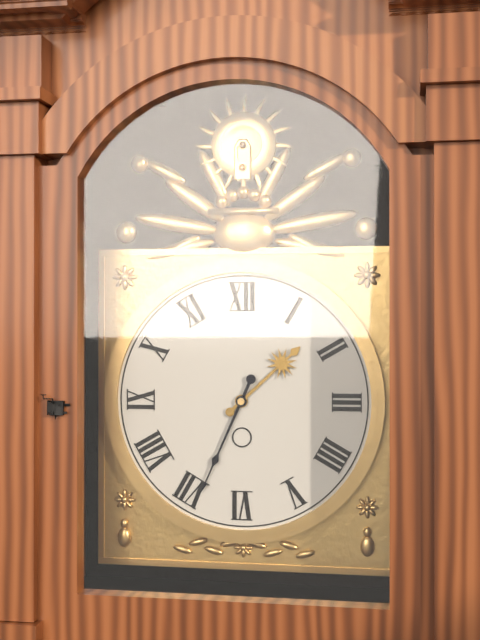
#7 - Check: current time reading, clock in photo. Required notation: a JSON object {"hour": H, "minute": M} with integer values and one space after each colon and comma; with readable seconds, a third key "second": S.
{"hour": 1, "minute": 34}
